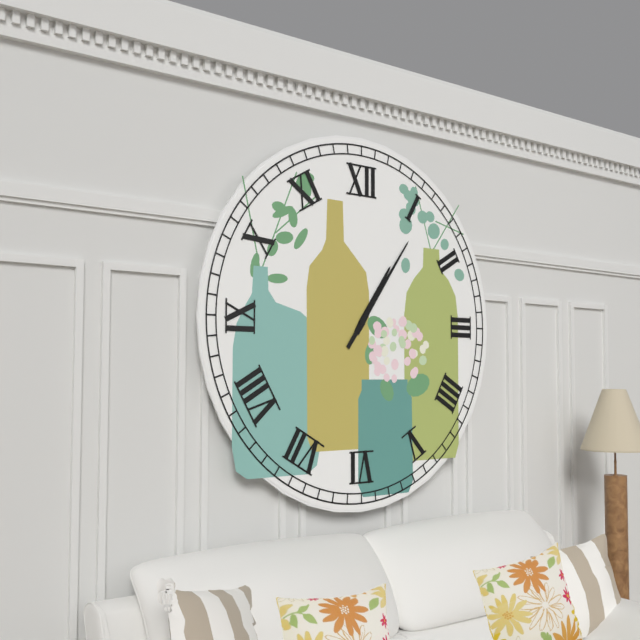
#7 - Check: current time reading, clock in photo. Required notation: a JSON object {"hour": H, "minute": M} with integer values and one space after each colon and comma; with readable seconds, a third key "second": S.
{"hour": 1, "minute": 6}
